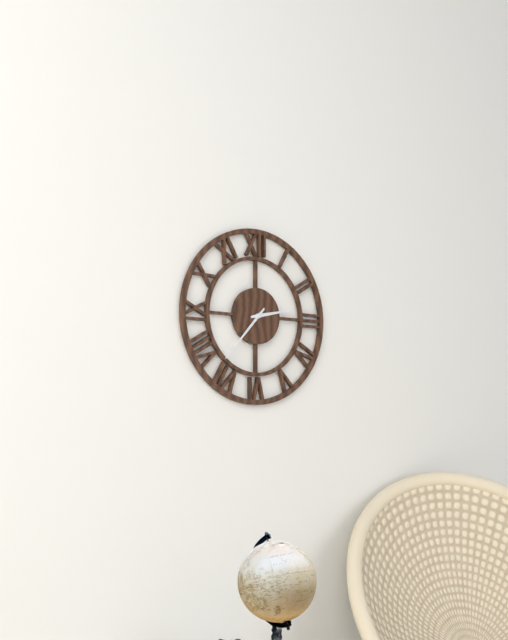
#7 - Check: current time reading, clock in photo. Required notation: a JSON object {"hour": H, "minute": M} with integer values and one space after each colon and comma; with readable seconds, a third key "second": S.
{"hour": 2, "minute": 37}
